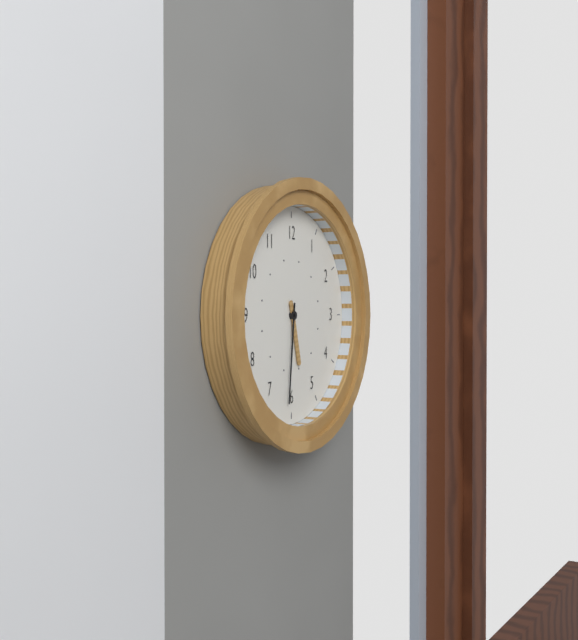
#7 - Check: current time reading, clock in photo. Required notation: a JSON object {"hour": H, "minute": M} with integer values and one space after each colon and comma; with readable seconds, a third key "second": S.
{"hour": 5, "minute": 31}
